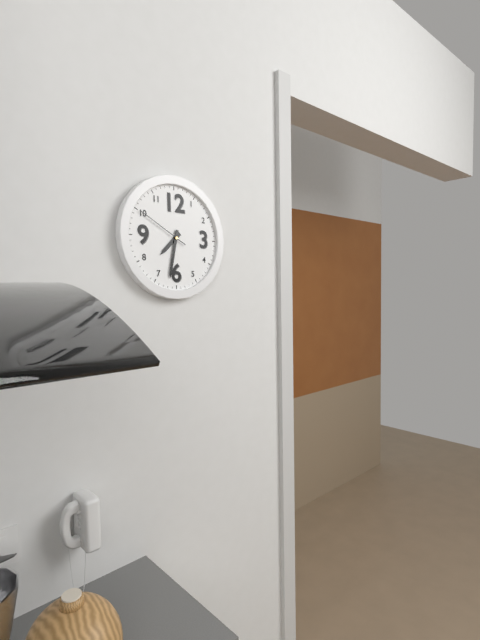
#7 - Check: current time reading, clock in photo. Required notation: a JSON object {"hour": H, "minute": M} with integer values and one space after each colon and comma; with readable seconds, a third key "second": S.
{"hour": 7, "minute": 32, "second": 50}
